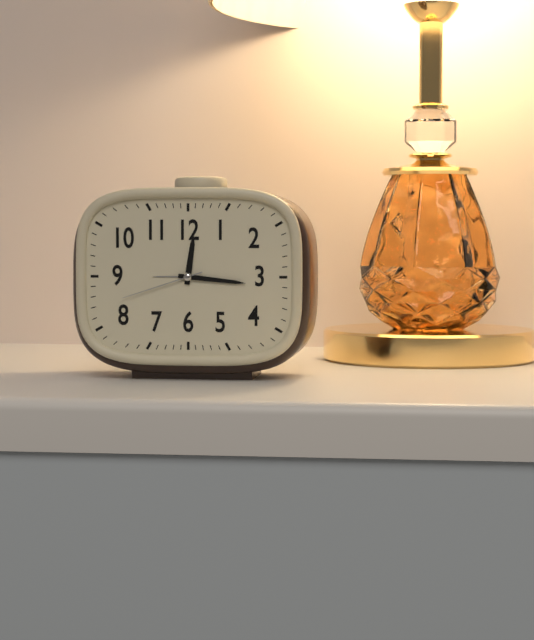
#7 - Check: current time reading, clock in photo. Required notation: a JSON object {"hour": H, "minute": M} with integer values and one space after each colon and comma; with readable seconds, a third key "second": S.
{"hour": 12, "minute": 16, "second": 42}
